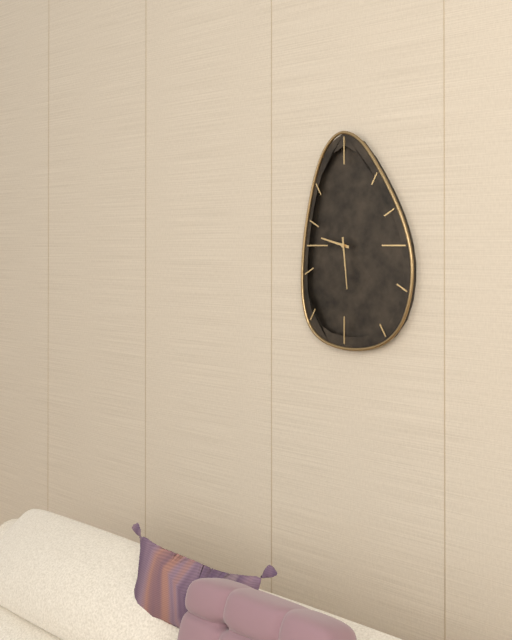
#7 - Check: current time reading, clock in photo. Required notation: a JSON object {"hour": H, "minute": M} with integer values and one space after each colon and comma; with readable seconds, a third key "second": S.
{"hour": 9, "minute": 29}
